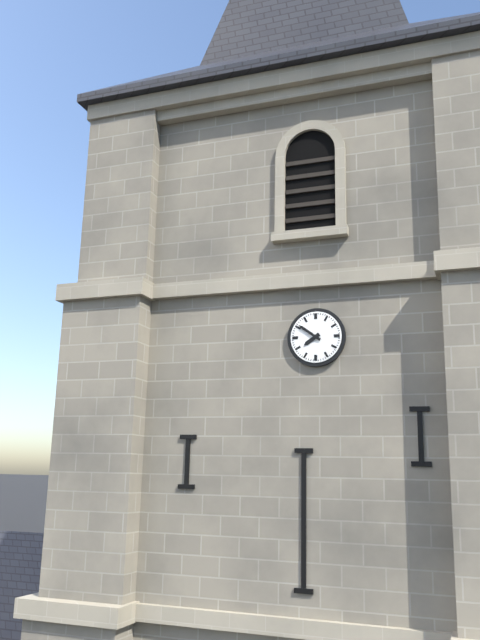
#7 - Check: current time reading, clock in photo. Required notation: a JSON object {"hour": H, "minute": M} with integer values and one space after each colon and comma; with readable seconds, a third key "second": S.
{"hour": 7, "minute": 51}
